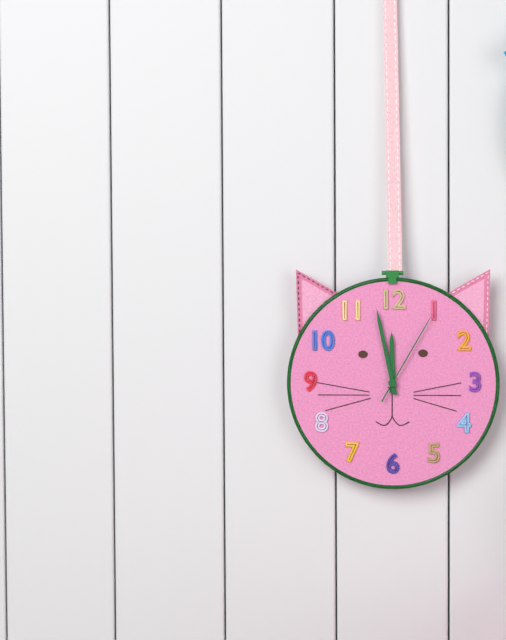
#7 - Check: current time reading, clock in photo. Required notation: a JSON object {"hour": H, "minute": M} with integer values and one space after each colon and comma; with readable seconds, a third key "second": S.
{"hour": 11, "minute": 58, "second": 5}
